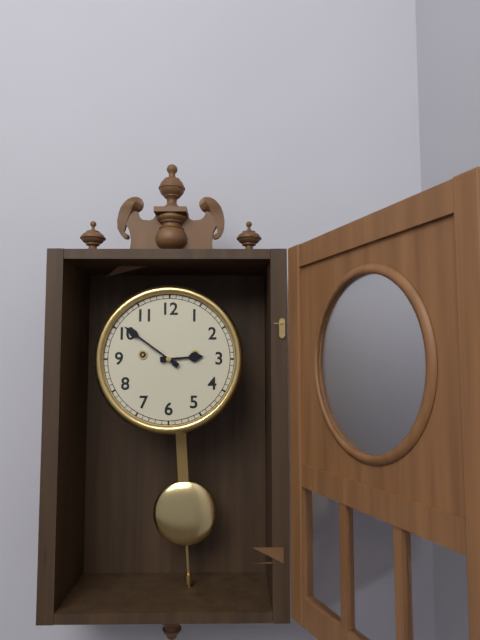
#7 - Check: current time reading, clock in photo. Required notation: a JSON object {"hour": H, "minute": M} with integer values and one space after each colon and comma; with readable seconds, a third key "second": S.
{"hour": 2, "minute": 51}
